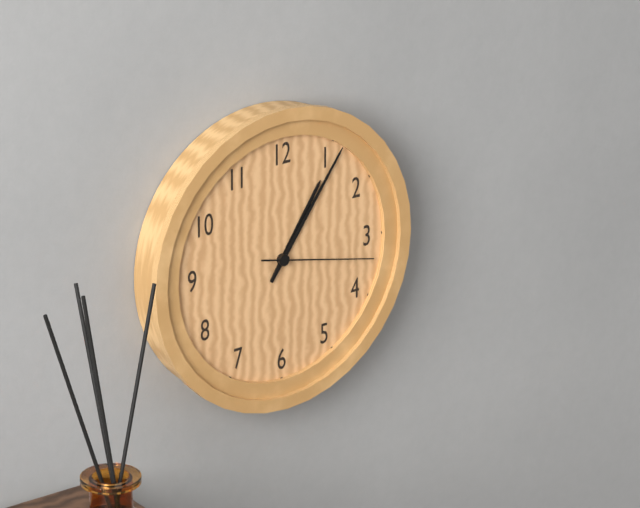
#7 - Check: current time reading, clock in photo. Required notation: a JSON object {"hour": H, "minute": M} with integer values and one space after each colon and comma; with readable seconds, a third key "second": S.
{"hour": 1, "minute": 6, "second": 17}
